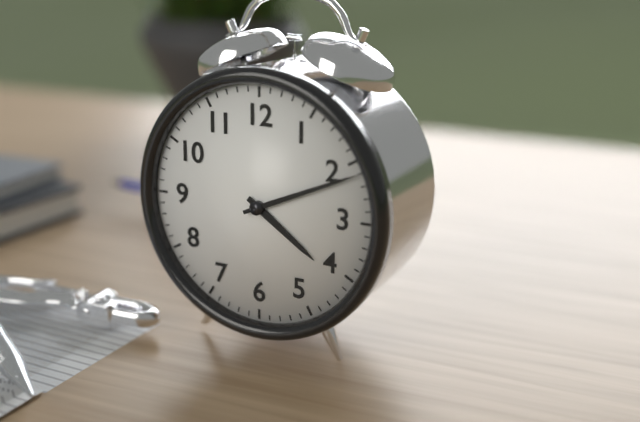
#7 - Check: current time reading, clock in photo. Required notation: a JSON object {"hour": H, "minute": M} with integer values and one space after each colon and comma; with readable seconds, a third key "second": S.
{"hour": 4, "minute": 11}
